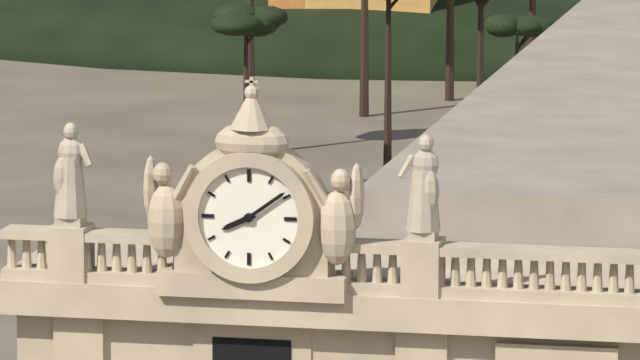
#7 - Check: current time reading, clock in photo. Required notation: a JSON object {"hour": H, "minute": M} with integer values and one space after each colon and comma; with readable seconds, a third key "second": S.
{"hour": 8, "minute": 9}
